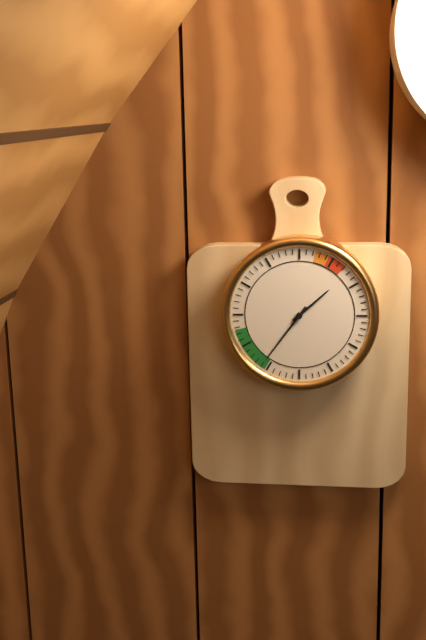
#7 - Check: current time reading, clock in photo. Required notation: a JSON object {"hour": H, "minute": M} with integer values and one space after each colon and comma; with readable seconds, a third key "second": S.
{"hour": 1, "minute": 36}
